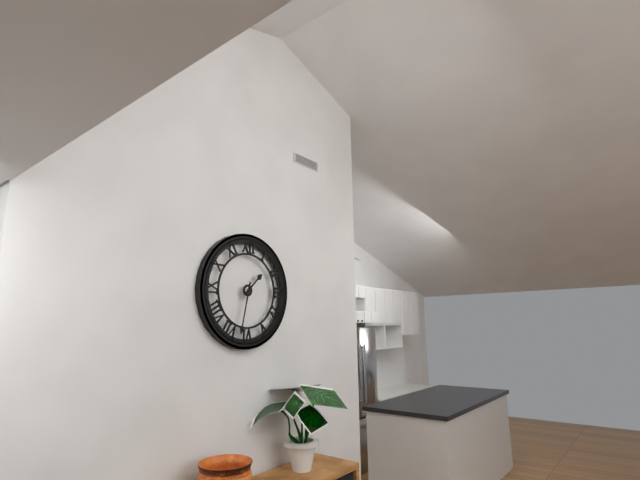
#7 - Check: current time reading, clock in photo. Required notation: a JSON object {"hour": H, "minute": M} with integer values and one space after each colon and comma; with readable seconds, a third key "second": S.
{"hour": 1, "minute": 32}
